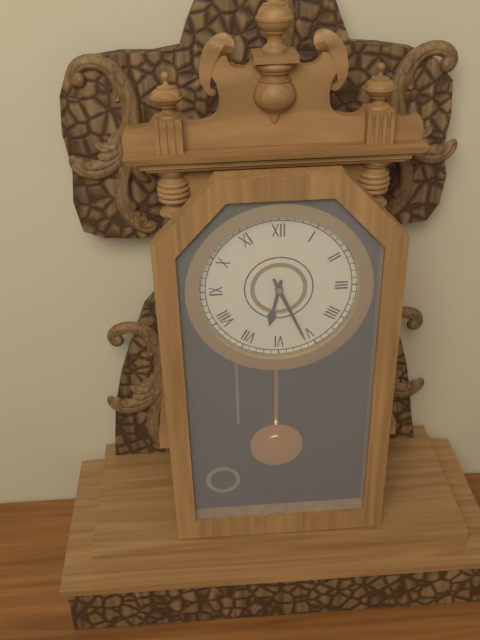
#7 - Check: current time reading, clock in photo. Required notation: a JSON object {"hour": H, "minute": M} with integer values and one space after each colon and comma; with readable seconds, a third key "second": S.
{"hour": 6, "minute": 26}
